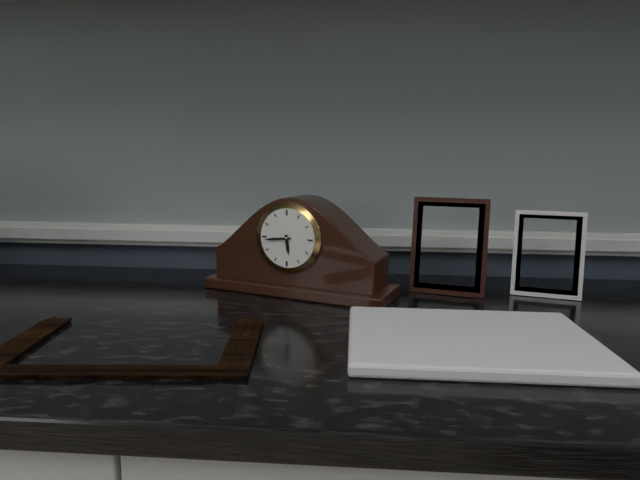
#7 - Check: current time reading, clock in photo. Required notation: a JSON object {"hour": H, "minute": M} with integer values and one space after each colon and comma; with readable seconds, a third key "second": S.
{"hour": 5, "minute": 44}
